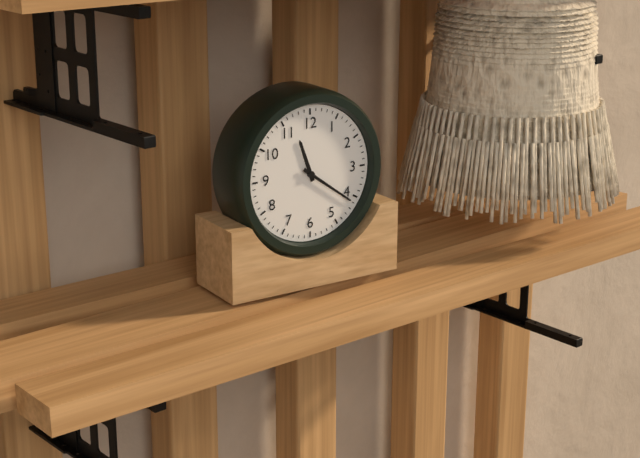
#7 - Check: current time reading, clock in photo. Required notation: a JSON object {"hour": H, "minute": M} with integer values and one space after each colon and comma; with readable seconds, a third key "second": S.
{"hour": 11, "minute": 21}
